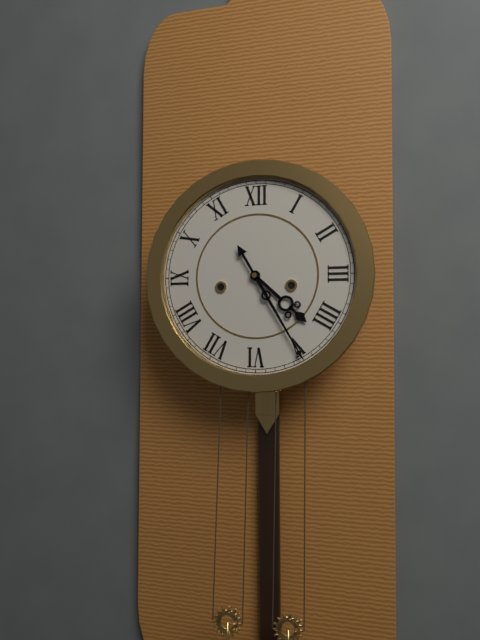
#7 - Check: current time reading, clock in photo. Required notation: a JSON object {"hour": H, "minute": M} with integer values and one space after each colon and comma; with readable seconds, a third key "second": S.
{"hour": 4, "minute": 25}
